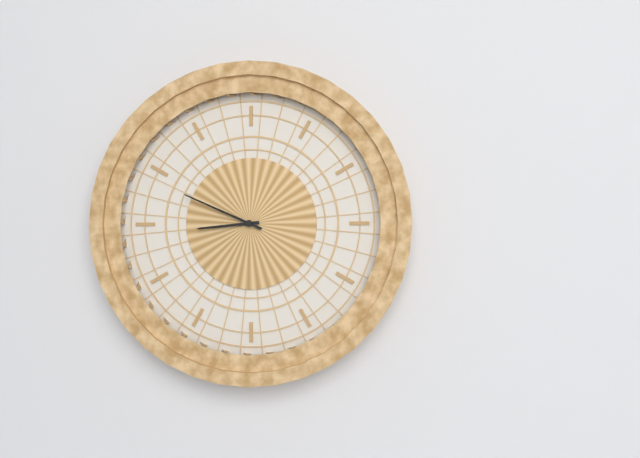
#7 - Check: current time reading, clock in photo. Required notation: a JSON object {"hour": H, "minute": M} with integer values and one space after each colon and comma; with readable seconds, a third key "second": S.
{"hour": 8, "minute": 49}
